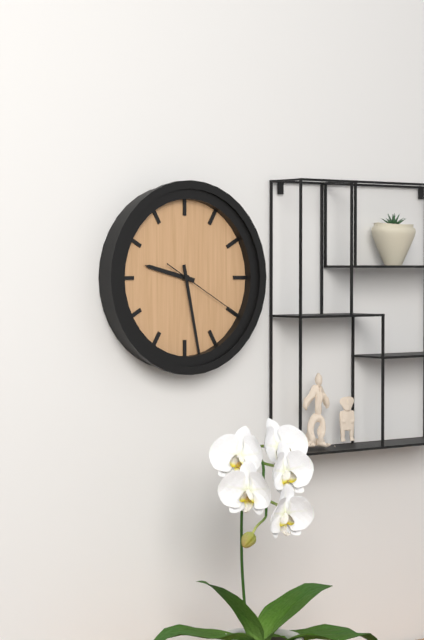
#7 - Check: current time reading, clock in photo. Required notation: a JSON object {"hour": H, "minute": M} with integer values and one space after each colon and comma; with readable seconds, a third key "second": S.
{"hour": 9, "minute": 28, "second": 20}
